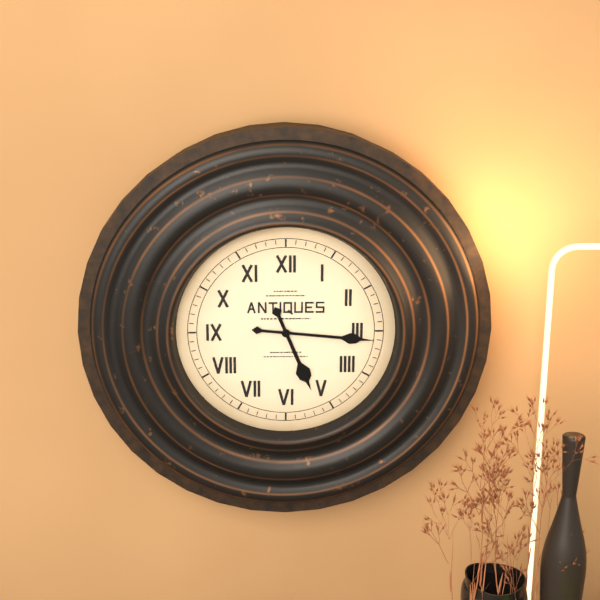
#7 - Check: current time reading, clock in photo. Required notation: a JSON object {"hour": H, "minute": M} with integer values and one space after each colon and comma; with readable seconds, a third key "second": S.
{"hour": 5, "minute": 16}
